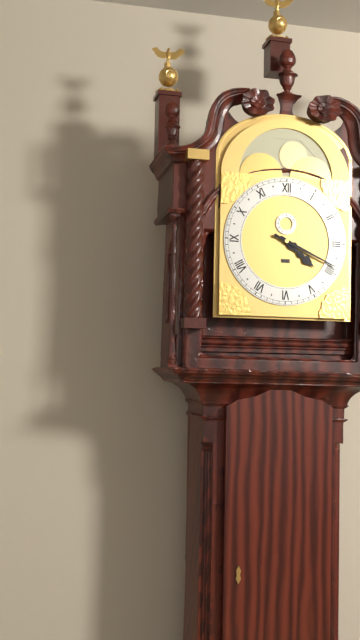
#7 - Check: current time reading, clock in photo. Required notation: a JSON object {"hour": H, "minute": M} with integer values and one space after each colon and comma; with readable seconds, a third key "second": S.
{"hour": 4, "minute": 19}
